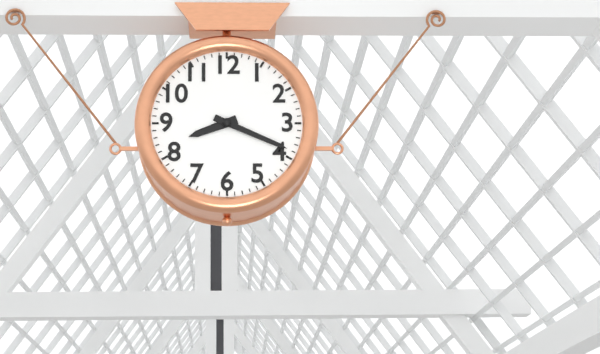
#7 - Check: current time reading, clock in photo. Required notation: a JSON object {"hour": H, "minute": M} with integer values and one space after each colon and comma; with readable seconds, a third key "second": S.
{"hour": 8, "minute": 19}
